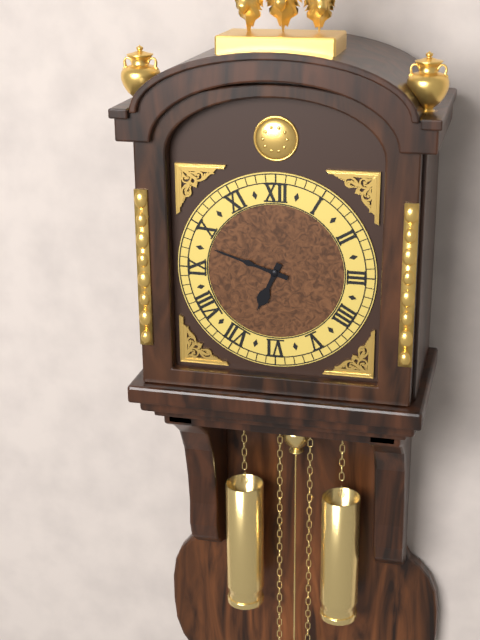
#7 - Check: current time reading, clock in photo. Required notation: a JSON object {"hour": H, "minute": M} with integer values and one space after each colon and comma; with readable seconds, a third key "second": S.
{"hour": 6, "minute": 48}
